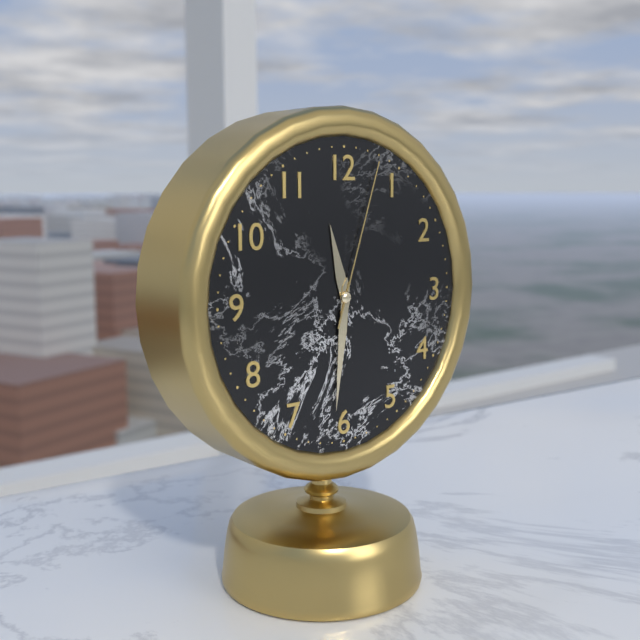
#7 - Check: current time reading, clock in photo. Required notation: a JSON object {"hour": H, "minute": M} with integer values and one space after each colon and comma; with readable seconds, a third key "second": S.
{"hour": 11, "minute": 31, "second": 3}
